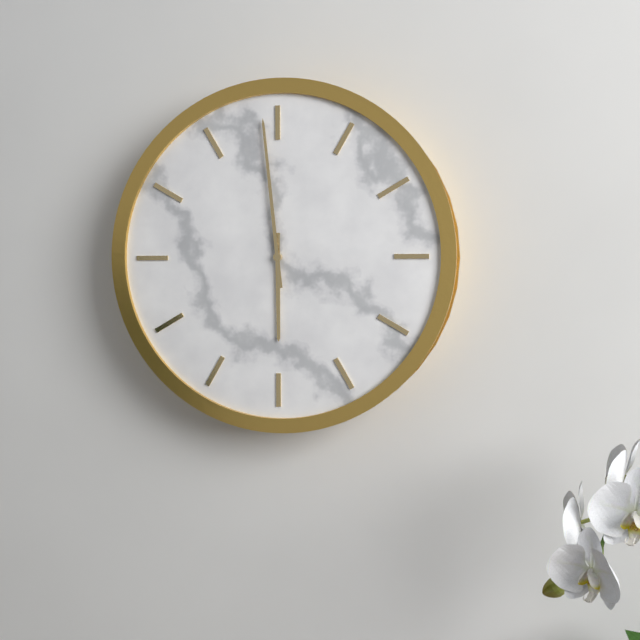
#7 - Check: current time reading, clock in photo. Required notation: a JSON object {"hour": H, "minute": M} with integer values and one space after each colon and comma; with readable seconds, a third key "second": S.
{"hour": 5, "minute": 59}
